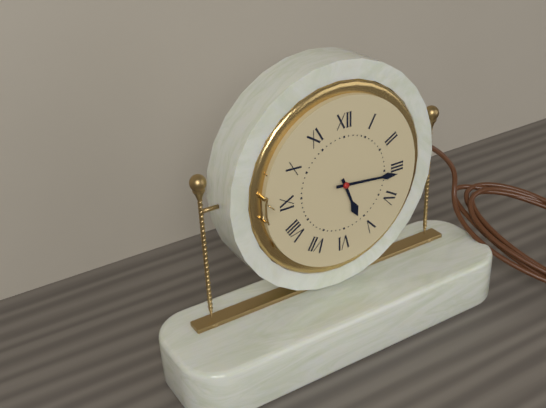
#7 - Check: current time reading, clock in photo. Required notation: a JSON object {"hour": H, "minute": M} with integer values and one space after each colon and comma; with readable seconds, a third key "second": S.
{"hour": 5, "minute": 16}
